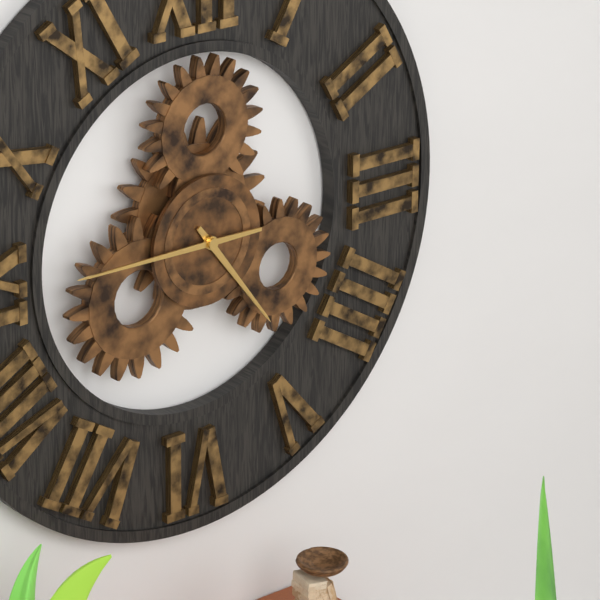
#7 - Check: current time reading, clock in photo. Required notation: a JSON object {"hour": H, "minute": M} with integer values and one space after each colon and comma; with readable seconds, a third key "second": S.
{"hour": 4, "minute": 45}
